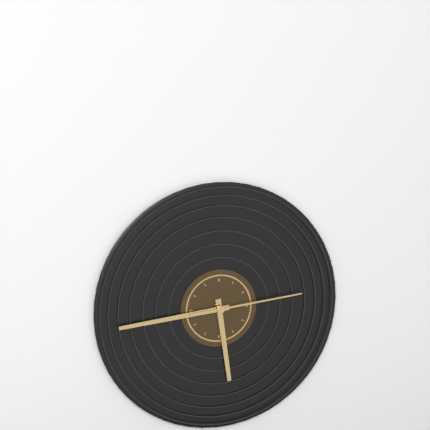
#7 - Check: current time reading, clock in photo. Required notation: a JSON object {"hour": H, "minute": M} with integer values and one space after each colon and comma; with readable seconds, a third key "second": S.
{"hour": 5, "minute": 44, "second": 14}
